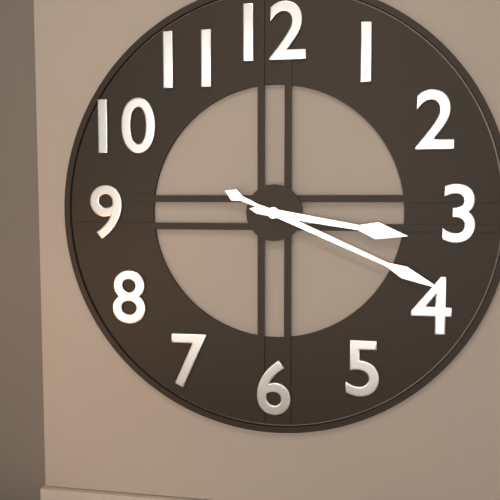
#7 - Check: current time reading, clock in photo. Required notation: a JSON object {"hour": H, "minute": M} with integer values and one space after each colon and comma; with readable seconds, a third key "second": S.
{"hour": 3, "minute": 19}
